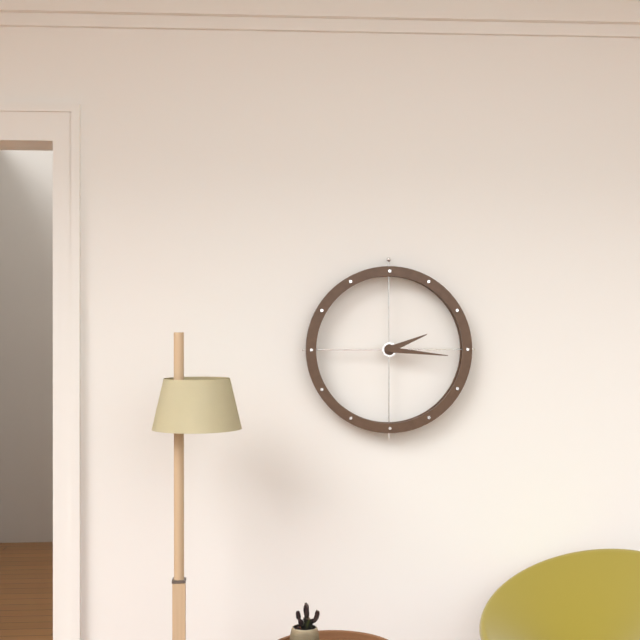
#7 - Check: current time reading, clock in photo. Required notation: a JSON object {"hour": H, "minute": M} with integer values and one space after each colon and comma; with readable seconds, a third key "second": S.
{"hour": 2, "minute": 16}
